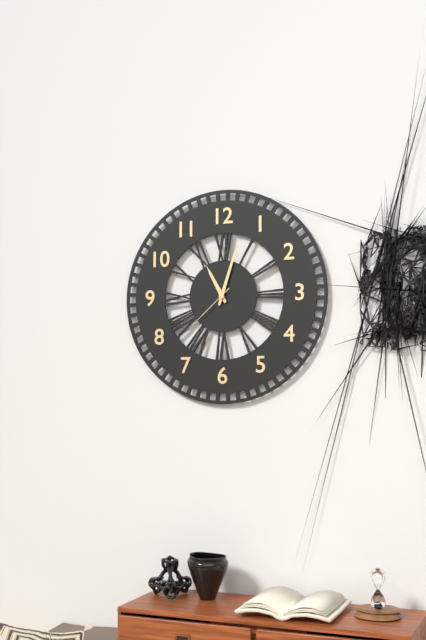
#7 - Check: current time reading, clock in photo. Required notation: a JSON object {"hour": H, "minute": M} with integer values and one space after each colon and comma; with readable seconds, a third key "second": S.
{"hour": 11, "minute": 3, "second": 38}
